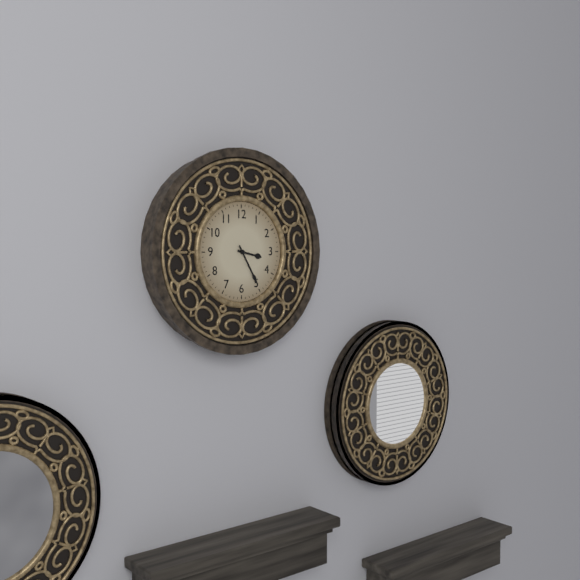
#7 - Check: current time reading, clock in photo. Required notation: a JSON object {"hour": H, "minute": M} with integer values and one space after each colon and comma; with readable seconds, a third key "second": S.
{"hour": 3, "minute": 25}
